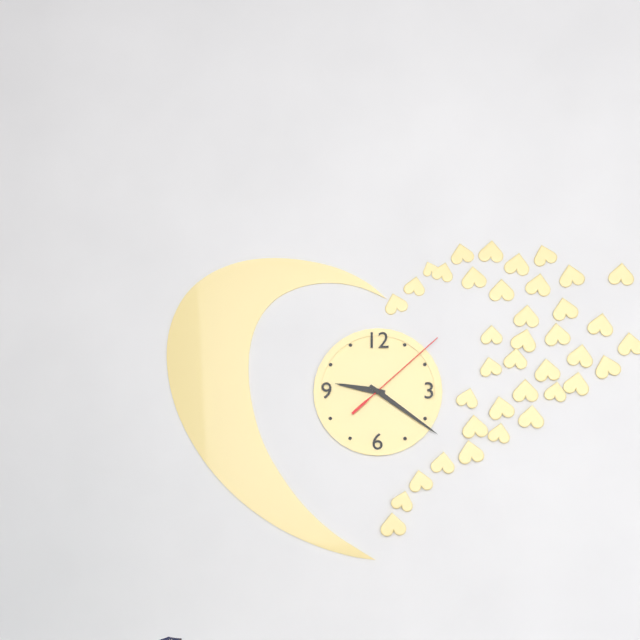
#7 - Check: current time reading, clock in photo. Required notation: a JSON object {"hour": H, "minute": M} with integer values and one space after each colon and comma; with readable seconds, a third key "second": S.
{"hour": 9, "minute": 21, "second": 8}
